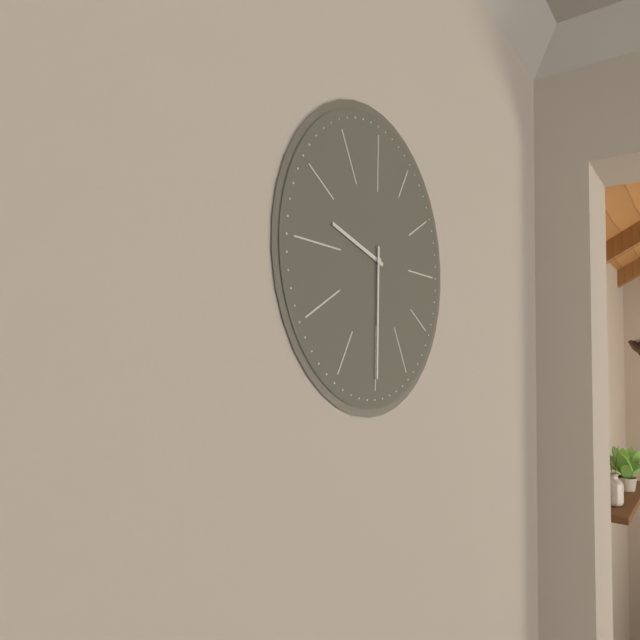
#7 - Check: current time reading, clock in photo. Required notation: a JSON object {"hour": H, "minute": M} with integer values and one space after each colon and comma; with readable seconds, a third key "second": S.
{"hour": 9, "minute": 30}
